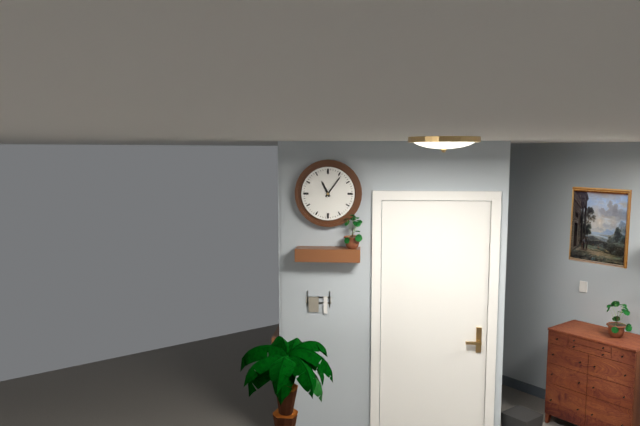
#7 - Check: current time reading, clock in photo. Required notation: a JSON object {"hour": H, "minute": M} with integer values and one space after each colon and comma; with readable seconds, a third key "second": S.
{"hour": 11, "minute": 6}
